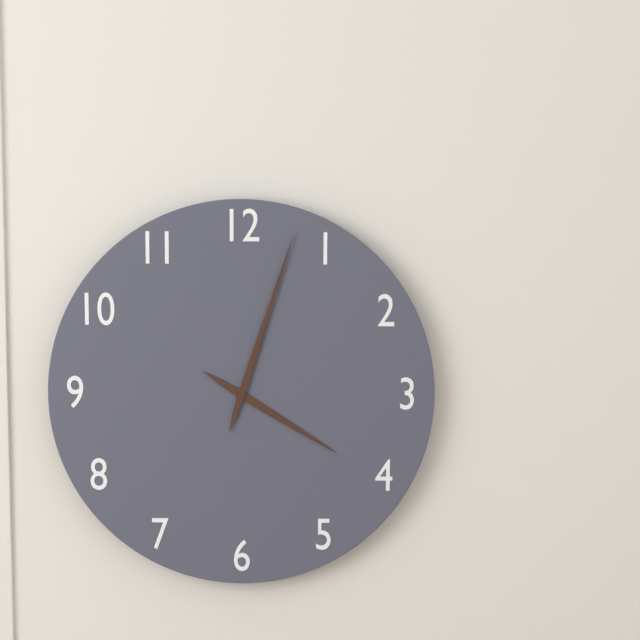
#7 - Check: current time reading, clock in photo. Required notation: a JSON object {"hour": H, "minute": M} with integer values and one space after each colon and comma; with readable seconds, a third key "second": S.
{"hour": 4, "minute": 3}
